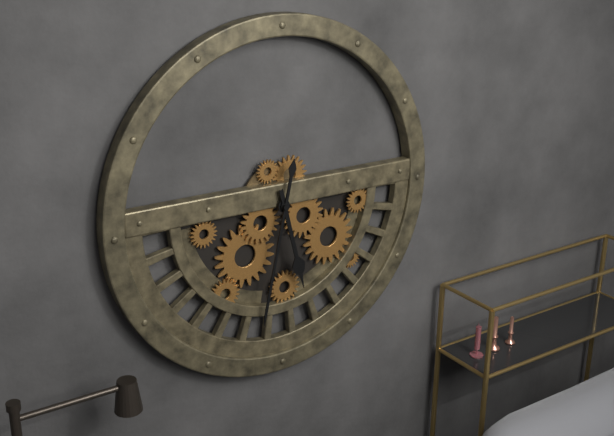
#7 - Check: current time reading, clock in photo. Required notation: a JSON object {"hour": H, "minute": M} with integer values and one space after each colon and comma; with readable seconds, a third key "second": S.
{"hour": 5, "minute": 32}
